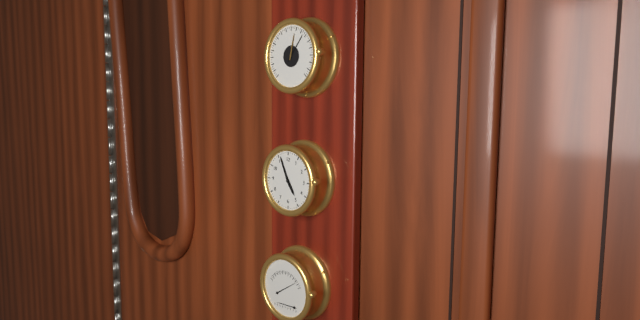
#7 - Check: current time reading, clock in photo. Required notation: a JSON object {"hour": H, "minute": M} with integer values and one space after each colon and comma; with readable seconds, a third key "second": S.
{"hour": 4, "minute": 56}
